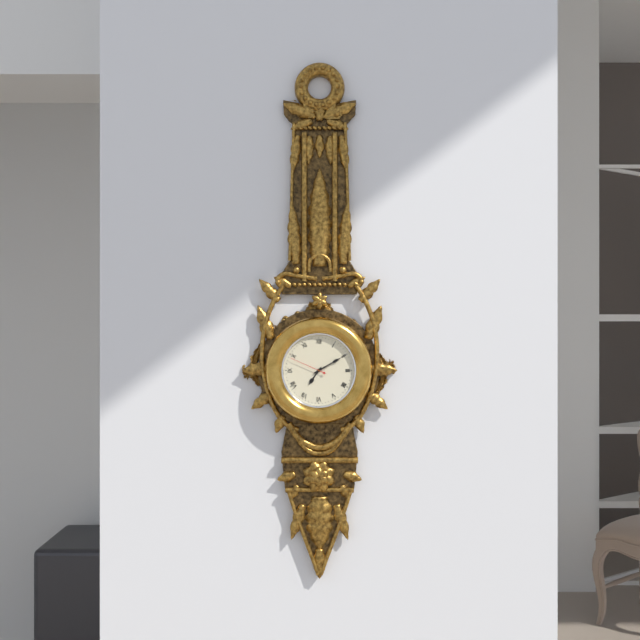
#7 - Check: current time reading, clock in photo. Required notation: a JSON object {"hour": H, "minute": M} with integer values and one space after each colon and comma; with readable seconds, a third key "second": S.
{"hour": 7, "minute": 10}
